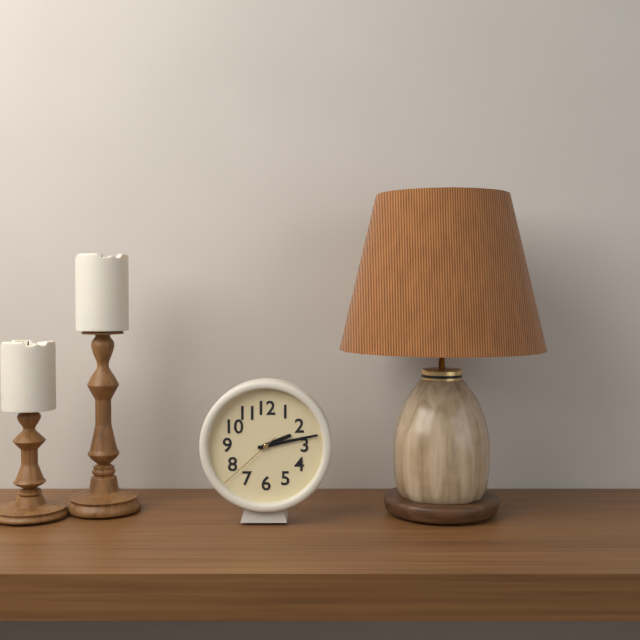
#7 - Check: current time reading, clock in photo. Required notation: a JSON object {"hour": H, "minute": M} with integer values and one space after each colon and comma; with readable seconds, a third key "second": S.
{"hour": 2, "minute": 13, "second": 38}
